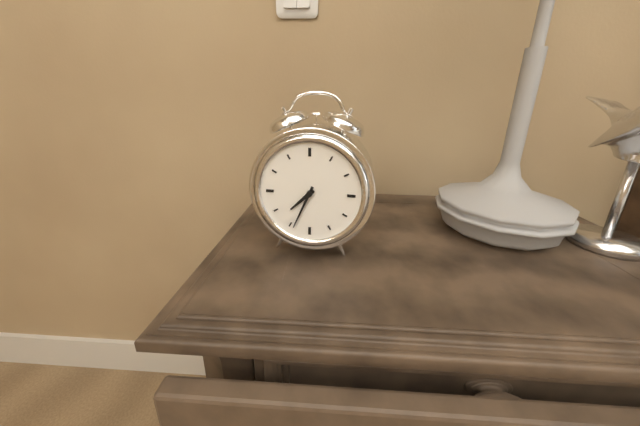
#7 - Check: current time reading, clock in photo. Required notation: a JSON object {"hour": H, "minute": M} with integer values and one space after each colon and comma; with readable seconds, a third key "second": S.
{"hour": 7, "minute": 34}
